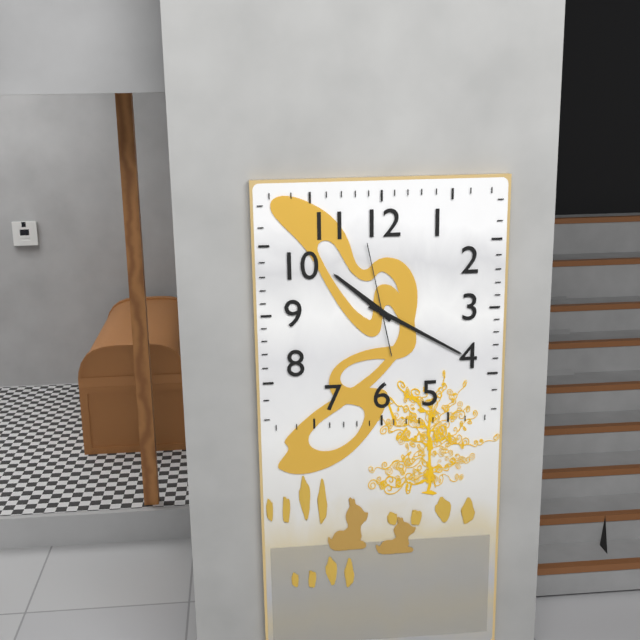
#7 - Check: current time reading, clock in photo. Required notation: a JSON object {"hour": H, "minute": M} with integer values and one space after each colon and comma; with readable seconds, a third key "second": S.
{"hour": 10, "minute": 20, "second": 58}
